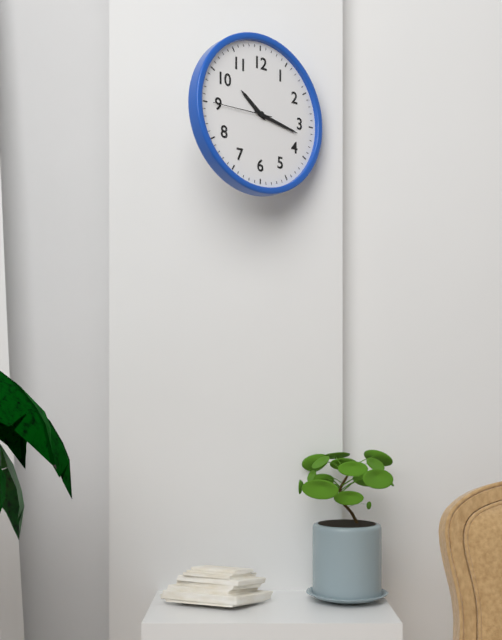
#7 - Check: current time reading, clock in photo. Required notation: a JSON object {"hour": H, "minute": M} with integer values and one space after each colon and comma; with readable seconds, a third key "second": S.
{"hour": 10, "minute": 17, "second": 45}
